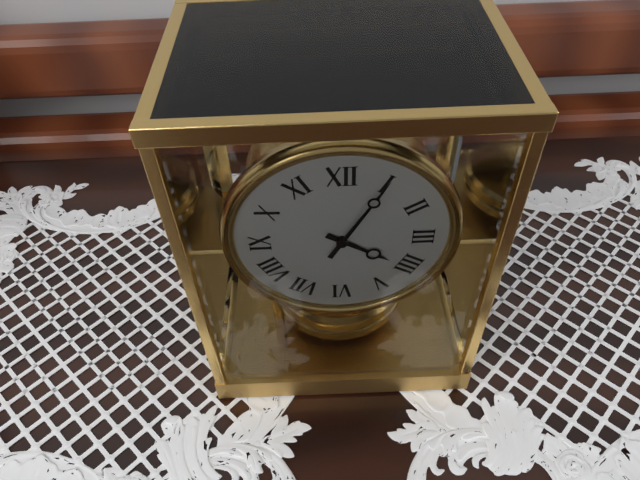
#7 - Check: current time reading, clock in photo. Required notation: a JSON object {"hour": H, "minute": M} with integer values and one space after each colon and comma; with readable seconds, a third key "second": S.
{"hour": 4, "minute": 5}
